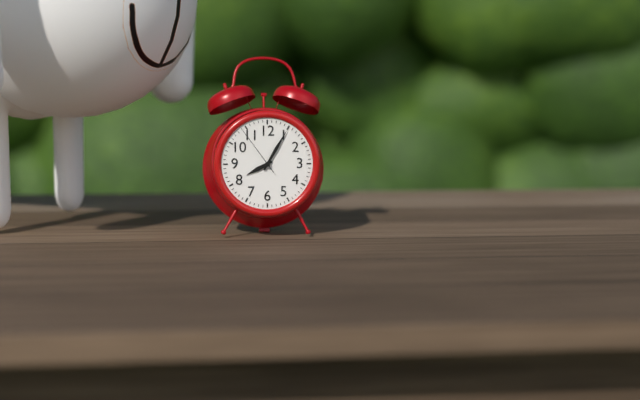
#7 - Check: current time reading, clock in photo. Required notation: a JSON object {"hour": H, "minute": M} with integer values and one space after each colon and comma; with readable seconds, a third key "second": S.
{"hour": 8, "minute": 5, "second": 54}
